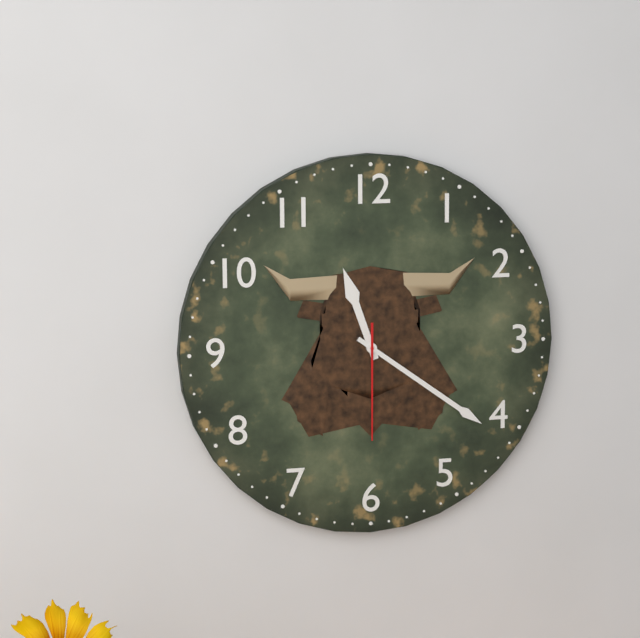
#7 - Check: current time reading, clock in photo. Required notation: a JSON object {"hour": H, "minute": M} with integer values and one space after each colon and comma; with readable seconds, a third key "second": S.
{"hour": 11, "minute": 21, "second": 30}
